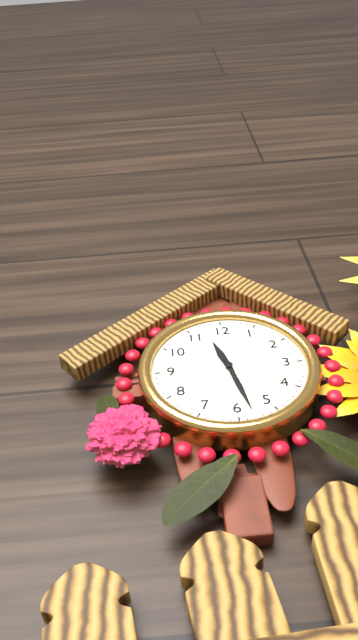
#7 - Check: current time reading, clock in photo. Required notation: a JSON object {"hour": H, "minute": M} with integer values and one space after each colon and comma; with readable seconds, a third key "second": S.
{"hour": 11, "minute": 28}
